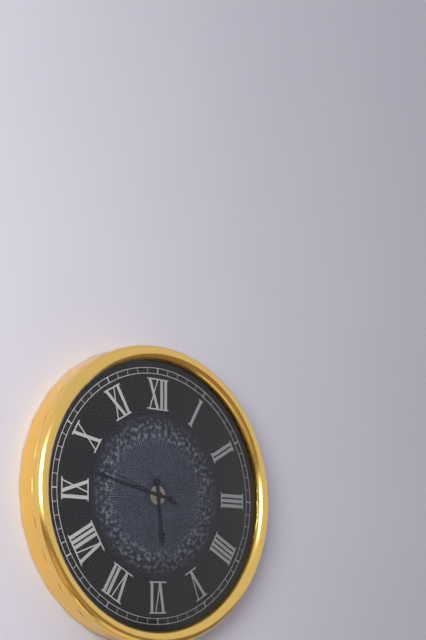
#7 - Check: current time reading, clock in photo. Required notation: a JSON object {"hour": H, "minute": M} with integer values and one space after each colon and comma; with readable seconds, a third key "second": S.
{"hour": 5, "minute": 47, "second": 48}
